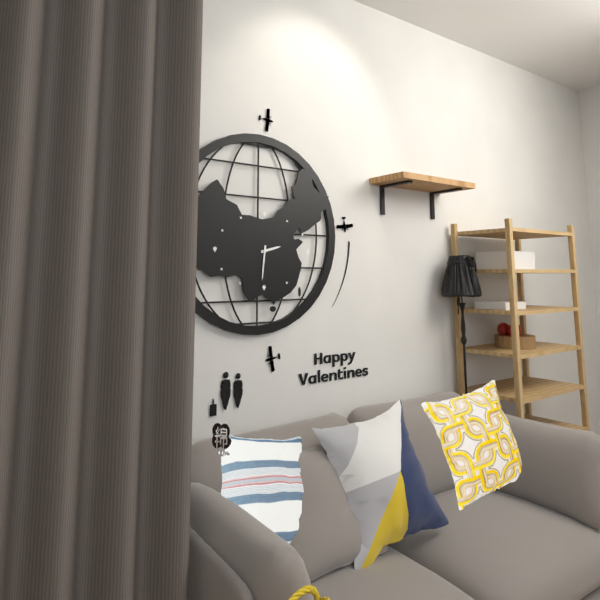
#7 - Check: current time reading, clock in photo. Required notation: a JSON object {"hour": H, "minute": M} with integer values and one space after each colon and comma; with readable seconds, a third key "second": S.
{"hour": 2, "minute": 31}
